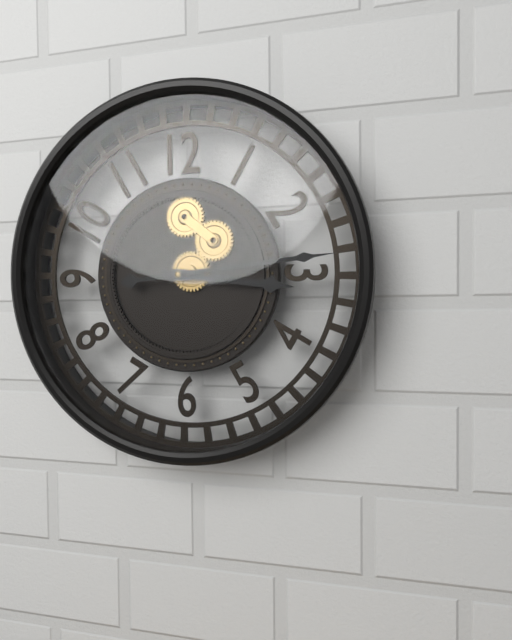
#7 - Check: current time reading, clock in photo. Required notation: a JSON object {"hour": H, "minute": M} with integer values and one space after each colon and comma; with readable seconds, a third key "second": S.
{"hour": 3, "minute": 14}
